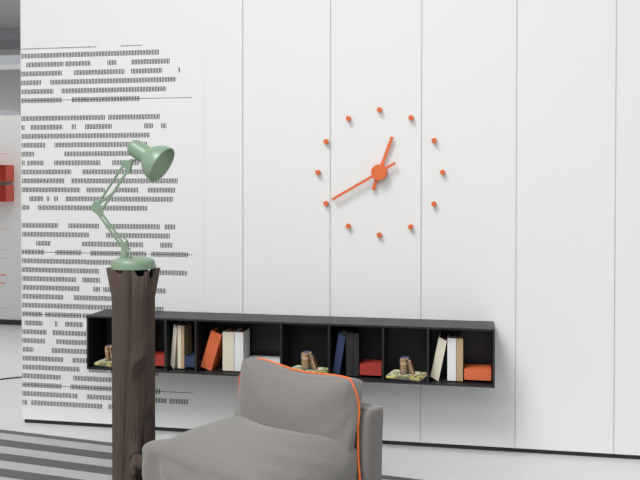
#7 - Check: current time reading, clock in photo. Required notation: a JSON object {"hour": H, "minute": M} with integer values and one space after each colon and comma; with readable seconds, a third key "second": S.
{"hour": 12, "minute": 40}
